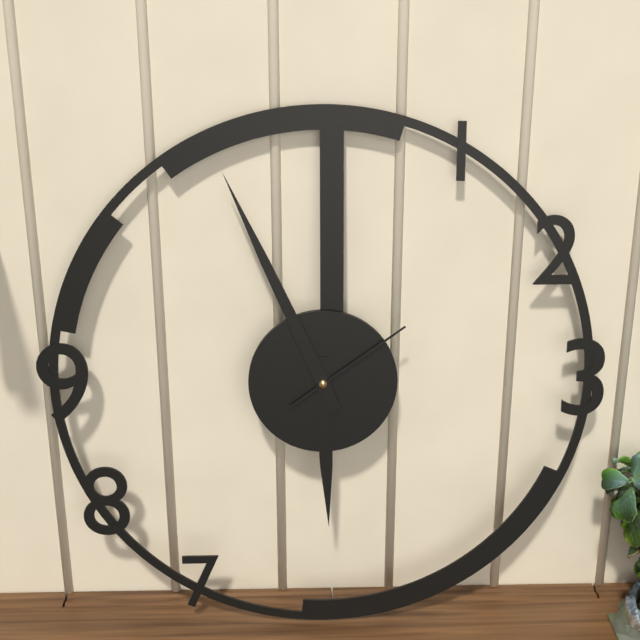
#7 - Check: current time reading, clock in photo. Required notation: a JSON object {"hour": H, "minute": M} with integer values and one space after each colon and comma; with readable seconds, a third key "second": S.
{"hour": 5, "minute": 56, "second": 9}
